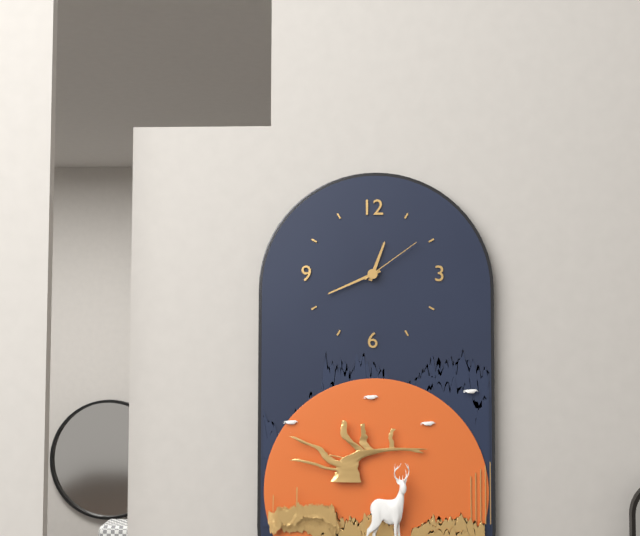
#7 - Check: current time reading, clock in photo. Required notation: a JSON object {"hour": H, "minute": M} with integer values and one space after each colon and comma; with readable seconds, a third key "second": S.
{"hour": 12, "minute": 41, "second": 9}
